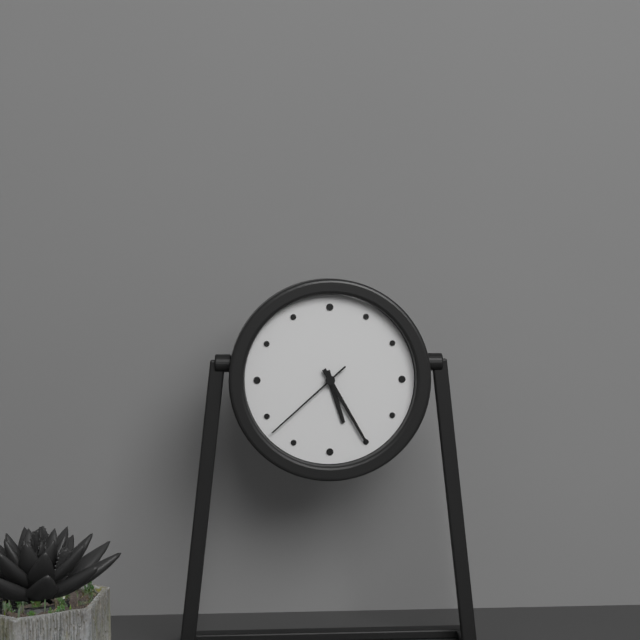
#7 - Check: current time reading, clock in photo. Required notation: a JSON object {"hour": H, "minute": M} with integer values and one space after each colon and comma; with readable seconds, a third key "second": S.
{"hour": 5, "minute": 25, "second": 38}
